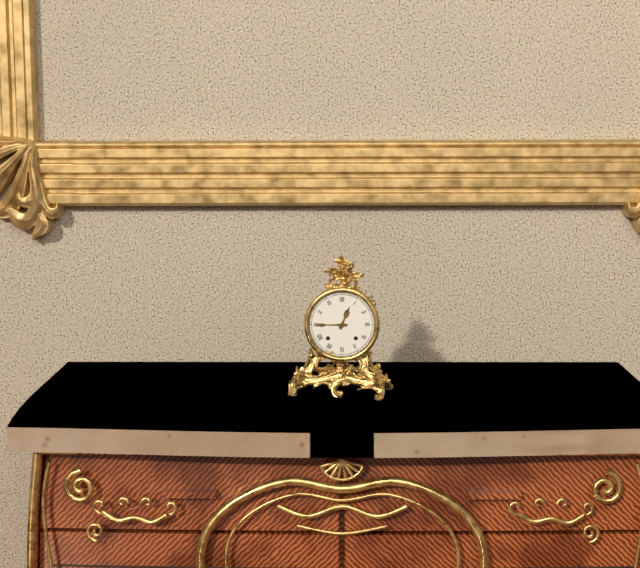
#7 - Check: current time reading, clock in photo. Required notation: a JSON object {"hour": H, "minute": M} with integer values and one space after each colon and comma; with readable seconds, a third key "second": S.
{"hour": 12, "minute": 45}
